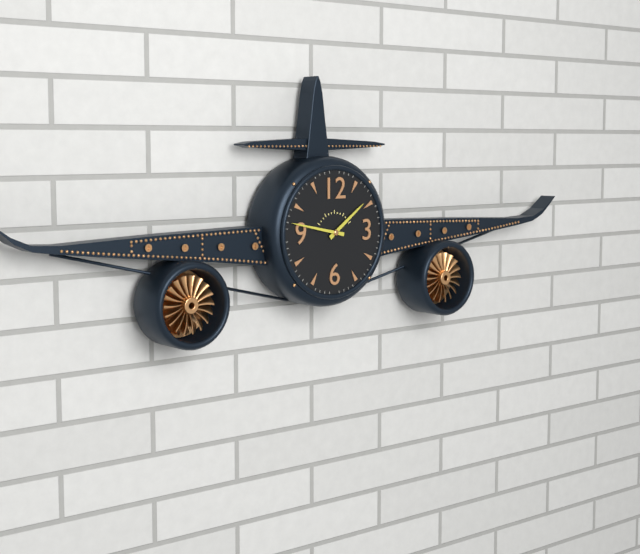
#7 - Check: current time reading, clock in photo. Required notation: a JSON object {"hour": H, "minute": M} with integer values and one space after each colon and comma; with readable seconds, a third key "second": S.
{"hour": 1, "minute": 47}
